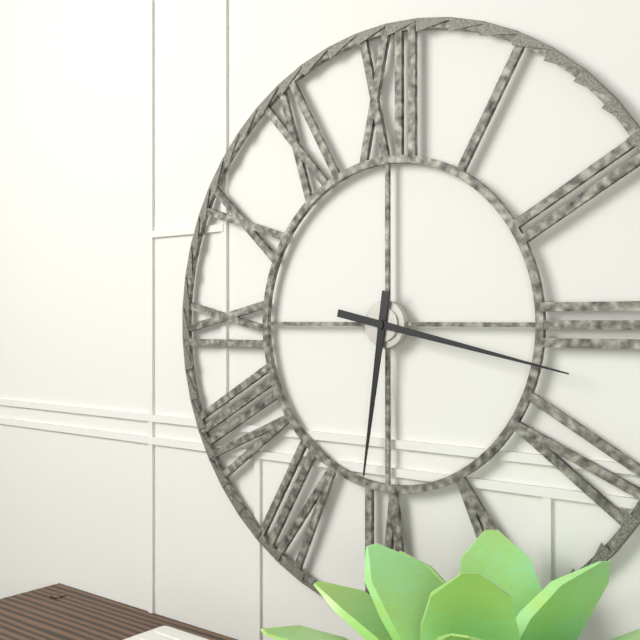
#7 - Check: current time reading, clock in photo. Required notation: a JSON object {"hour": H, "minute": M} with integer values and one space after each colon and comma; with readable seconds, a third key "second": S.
{"hour": 6, "minute": 17}
